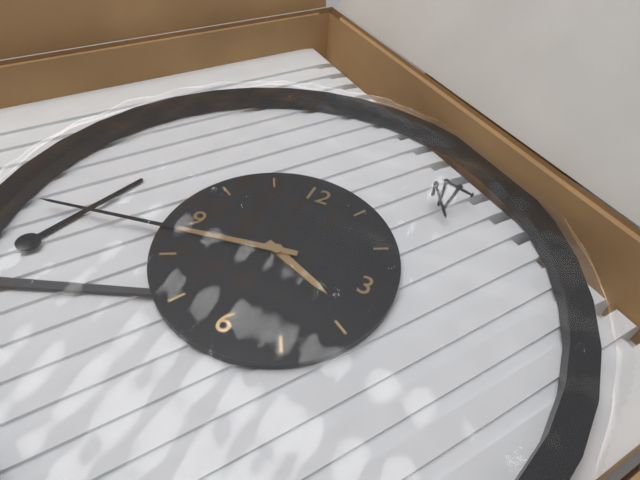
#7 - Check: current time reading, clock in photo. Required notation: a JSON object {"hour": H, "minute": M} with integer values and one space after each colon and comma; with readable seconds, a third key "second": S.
{"hour": 3, "minute": 43}
